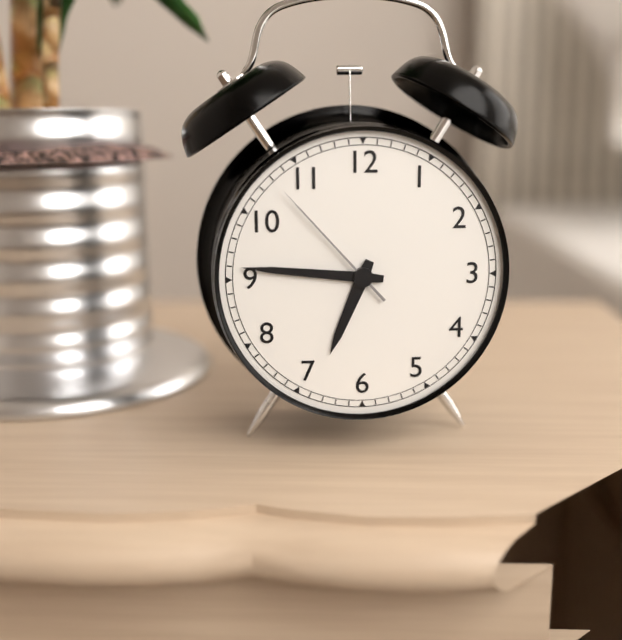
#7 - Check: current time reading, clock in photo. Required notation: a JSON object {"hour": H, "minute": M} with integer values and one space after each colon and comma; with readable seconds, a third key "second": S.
{"hour": 6, "minute": 46, "second": 53}
